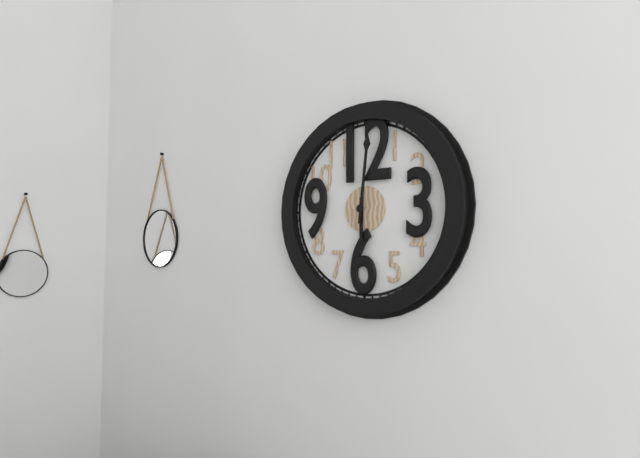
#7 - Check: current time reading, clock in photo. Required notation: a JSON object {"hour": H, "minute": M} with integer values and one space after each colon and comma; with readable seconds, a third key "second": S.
{"hour": 6, "minute": 1}
